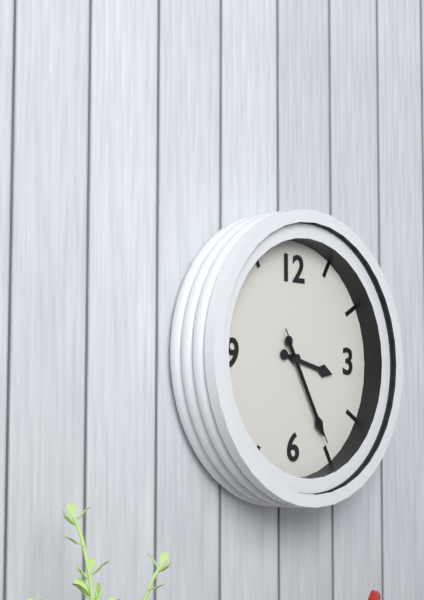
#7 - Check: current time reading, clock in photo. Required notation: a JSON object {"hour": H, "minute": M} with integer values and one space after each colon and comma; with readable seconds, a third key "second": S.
{"hour": 3, "minute": 25, "second": 25}
